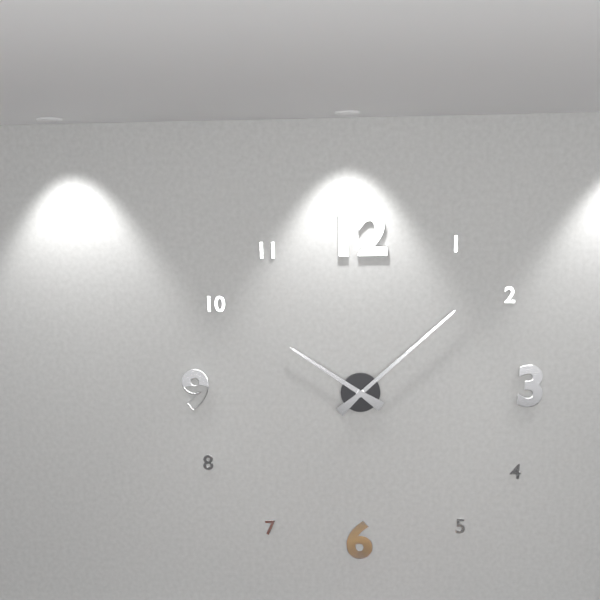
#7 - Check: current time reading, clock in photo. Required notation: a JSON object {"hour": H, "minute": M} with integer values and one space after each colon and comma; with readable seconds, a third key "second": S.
{"hour": 10, "minute": 8}
